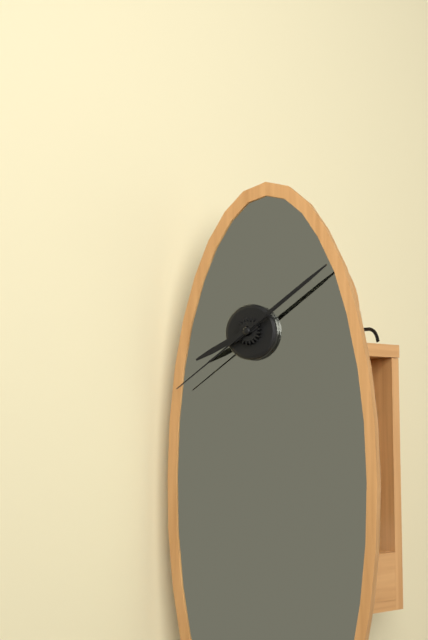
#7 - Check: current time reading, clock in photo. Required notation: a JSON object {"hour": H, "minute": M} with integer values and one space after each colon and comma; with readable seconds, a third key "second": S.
{"hour": 8, "minute": 9, "second": 39}
